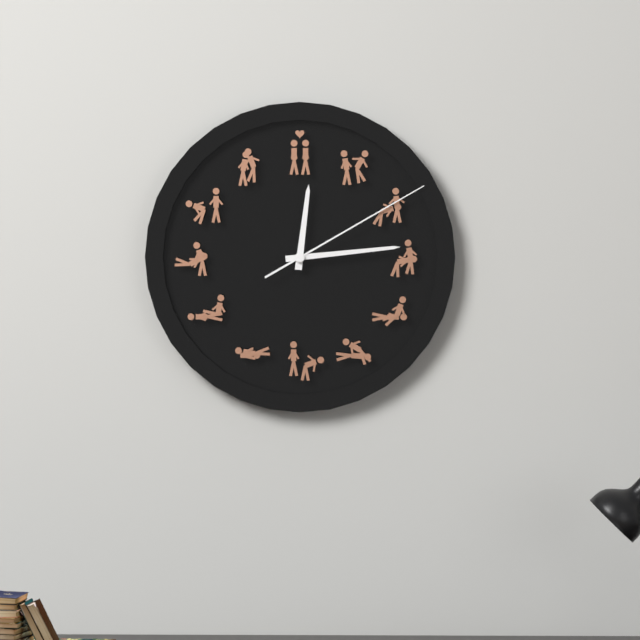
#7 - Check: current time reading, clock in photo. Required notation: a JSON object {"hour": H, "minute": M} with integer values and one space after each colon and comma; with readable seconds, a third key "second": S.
{"hour": 12, "minute": 14, "second": 10}
